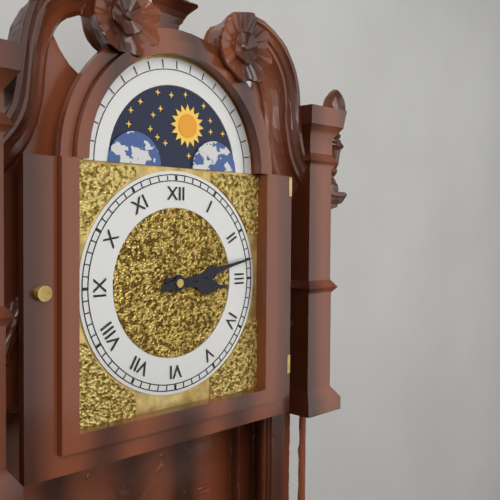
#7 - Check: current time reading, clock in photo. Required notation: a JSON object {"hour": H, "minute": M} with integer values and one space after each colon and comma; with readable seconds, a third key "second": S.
{"hour": 3, "minute": 13}
